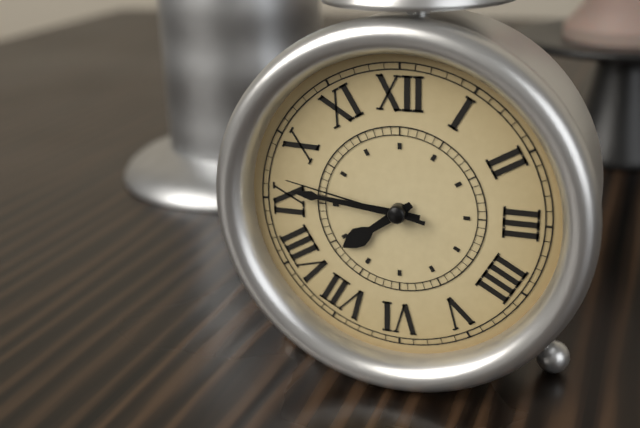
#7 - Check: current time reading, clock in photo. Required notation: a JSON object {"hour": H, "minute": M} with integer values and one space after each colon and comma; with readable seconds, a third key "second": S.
{"hour": 7, "minute": 46, "second": 47}
